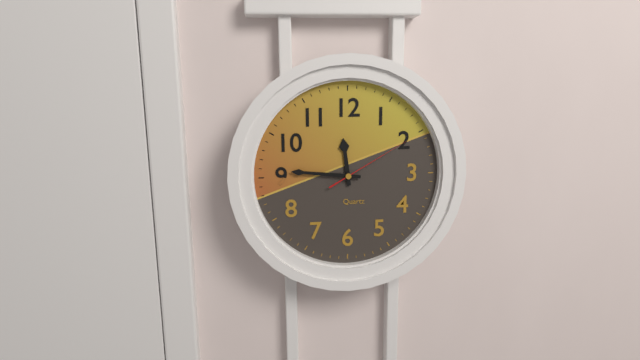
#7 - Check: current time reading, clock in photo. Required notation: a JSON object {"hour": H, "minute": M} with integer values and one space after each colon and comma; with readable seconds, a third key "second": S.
{"hour": 11, "minute": 46, "second": 10}
